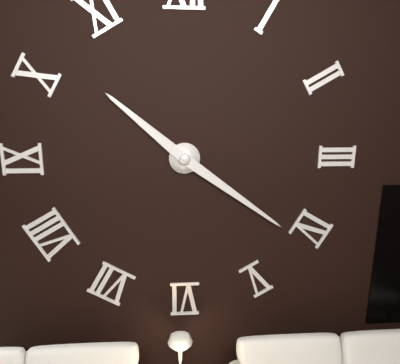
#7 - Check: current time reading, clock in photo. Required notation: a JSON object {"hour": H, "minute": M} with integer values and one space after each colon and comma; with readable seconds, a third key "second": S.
{"hour": 10, "minute": 21}
